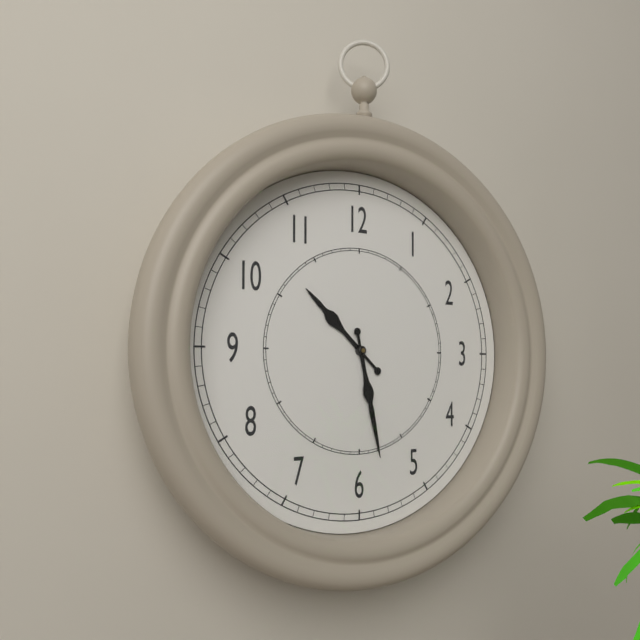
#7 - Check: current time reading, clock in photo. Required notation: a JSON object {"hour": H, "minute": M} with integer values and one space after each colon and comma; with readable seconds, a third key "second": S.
{"hour": 10, "minute": 28}
